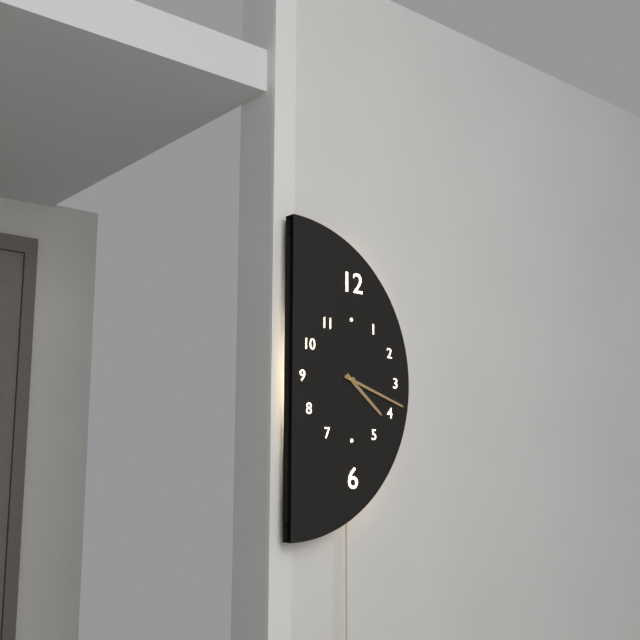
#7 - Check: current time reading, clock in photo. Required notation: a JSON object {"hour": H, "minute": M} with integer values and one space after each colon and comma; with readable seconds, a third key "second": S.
{"hour": 4, "minute": 18}
